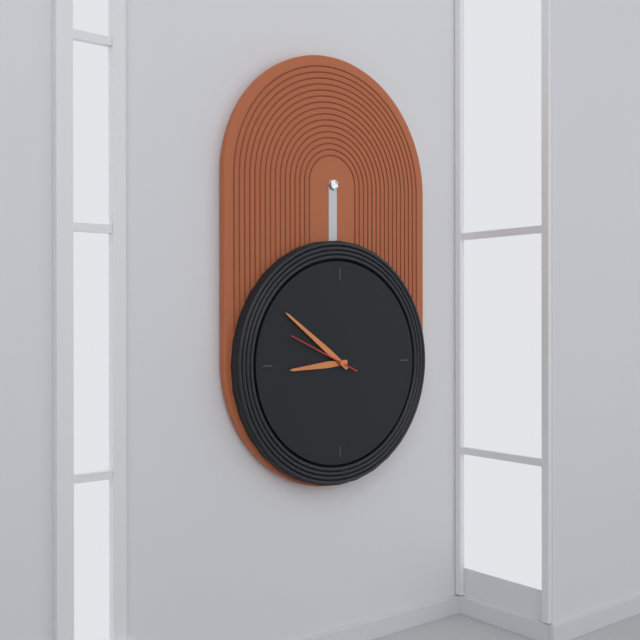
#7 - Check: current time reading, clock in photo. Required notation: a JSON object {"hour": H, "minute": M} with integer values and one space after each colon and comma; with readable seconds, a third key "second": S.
{"hour": 8, "minute": 51, "second": 49}
